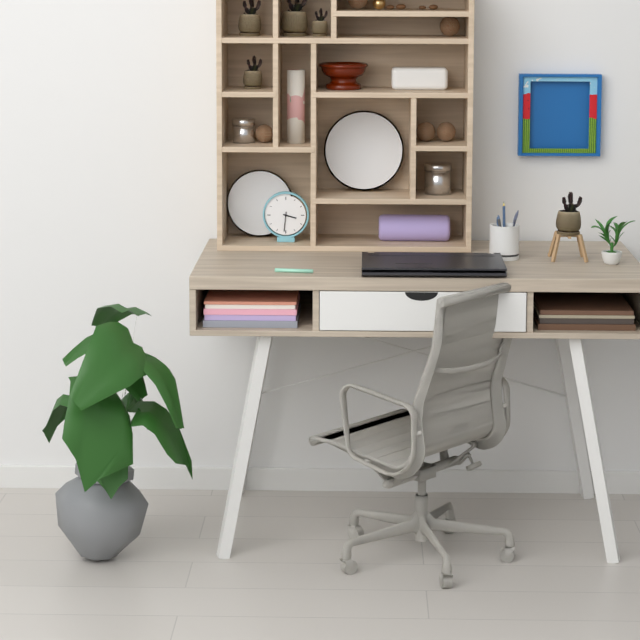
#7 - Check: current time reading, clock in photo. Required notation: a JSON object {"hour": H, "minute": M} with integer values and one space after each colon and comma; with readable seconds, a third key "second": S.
{"hour": 3, "minute": 31}
